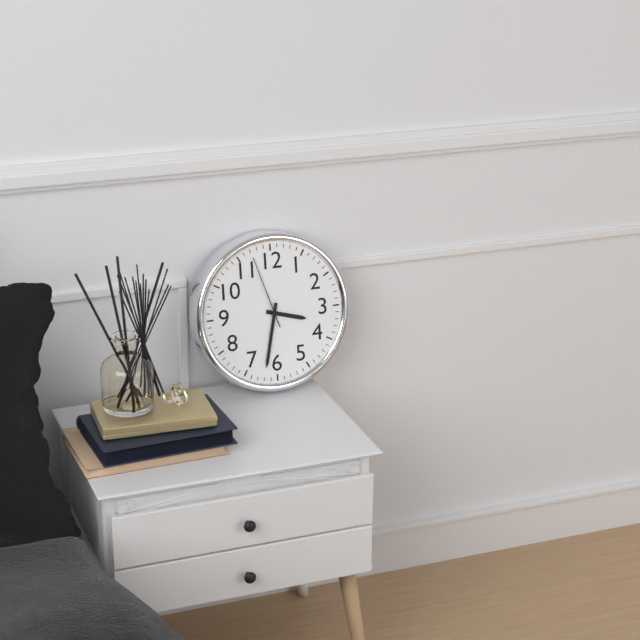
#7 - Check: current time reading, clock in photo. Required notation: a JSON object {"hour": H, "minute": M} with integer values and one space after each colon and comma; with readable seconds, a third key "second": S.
{"hour": 3, "minute": 32, "second": 57}
